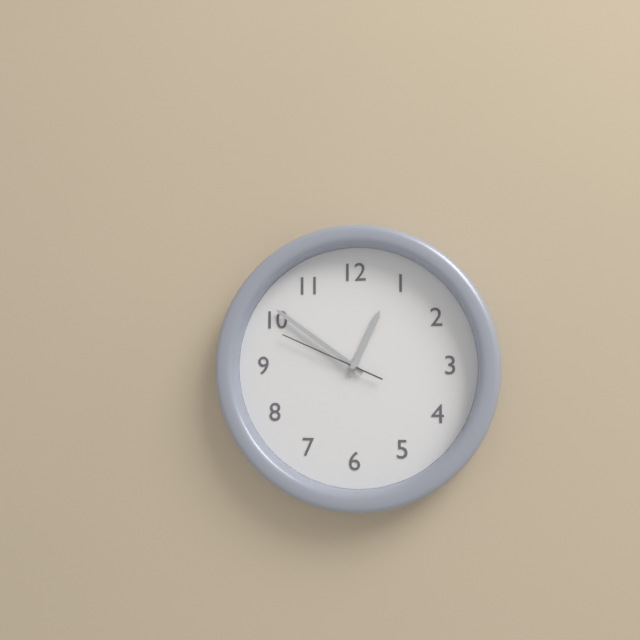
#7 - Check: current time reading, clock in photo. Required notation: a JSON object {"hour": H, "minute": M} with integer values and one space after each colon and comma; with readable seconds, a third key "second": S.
{"hour": 12, "minute": 51, "second": 49}
